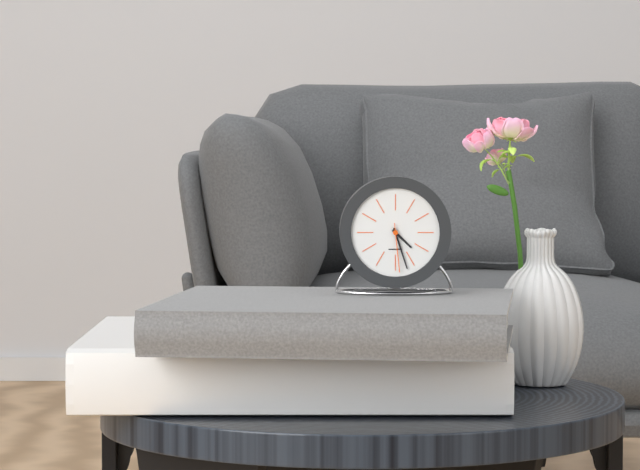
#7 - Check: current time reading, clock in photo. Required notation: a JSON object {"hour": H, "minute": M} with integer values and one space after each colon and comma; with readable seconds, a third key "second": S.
{"hour": 4, "minute": 27, "second": 29}
